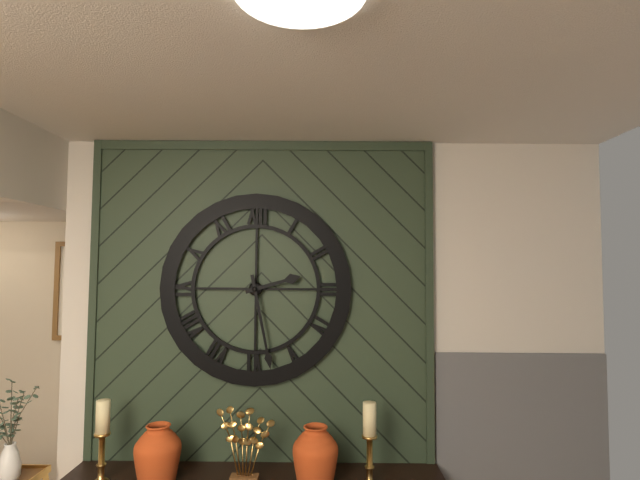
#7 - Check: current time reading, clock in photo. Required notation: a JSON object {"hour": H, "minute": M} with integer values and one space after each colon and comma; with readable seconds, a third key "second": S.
{"hour": 2, "minute": 28}
